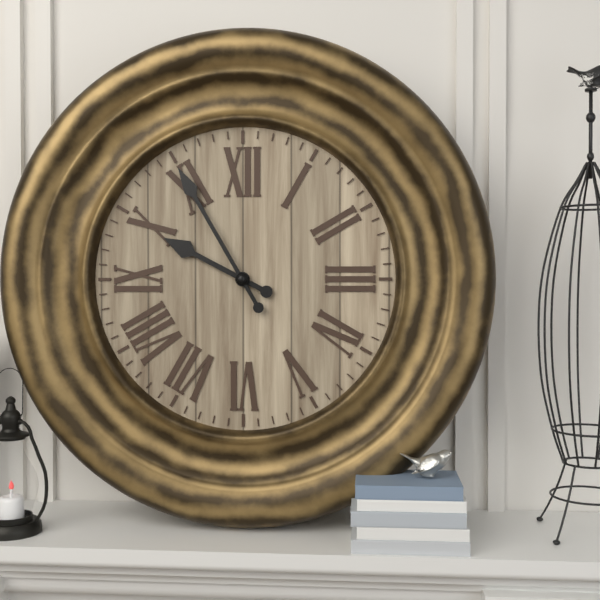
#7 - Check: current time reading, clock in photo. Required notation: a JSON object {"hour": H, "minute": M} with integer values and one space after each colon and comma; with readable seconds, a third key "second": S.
{"hour": 9, "minute": 55}
